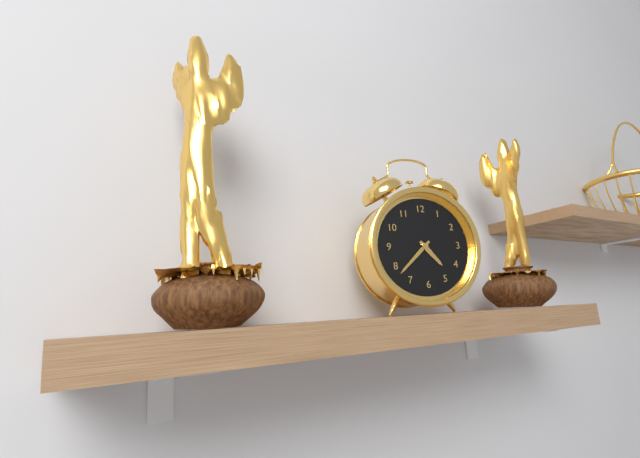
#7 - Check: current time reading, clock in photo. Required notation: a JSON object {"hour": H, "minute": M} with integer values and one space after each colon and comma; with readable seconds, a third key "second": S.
{"hour": 4, "minute": 38}
